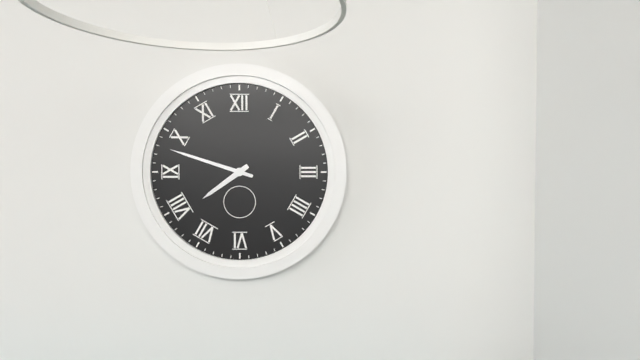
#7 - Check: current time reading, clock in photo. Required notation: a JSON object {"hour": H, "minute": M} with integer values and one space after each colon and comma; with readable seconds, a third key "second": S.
{"hour": 7, "minute": 48}
